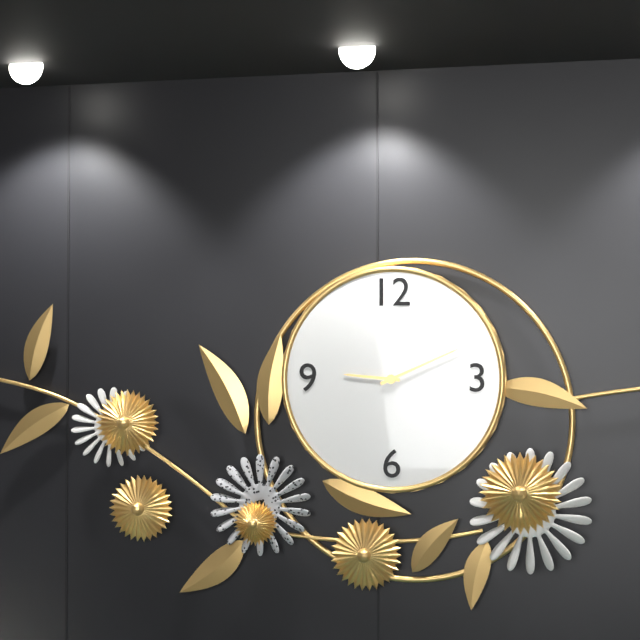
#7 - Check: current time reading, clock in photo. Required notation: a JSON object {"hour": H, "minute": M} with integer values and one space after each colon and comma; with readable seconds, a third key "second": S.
{"hour": 9, "minute": 11}
